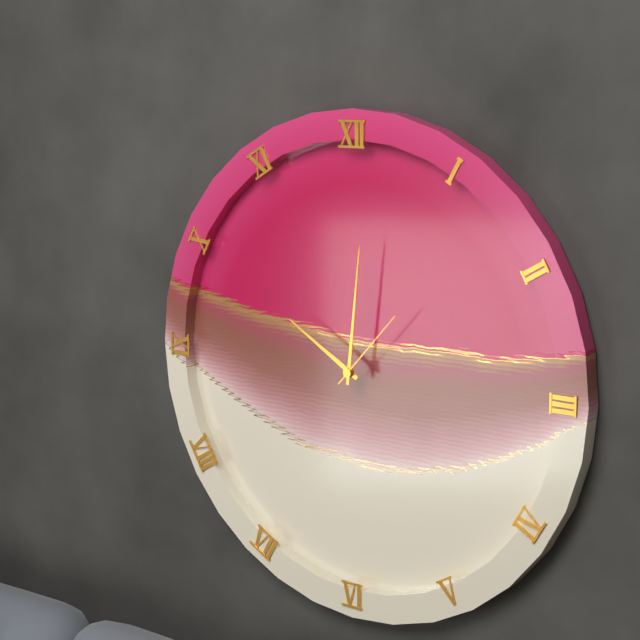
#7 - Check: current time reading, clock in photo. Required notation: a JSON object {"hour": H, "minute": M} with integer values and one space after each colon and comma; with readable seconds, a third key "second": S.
{"hour": 10, "minute": 1, "second": 7}
